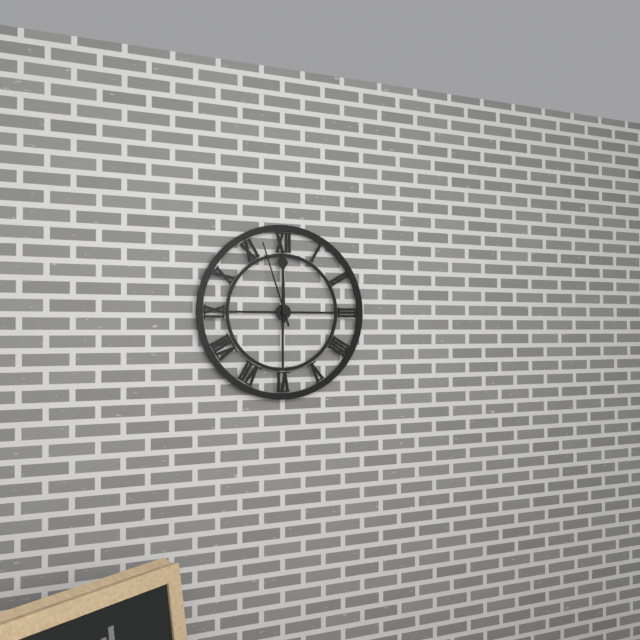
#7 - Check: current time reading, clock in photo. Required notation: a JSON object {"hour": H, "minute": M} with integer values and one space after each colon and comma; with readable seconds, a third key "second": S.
{"hour": 11, "minute": 57}
